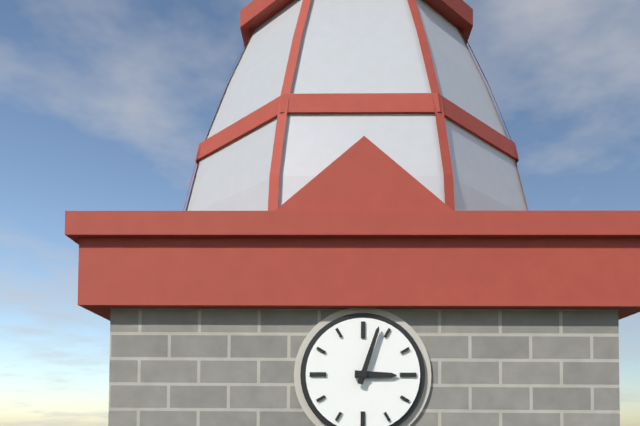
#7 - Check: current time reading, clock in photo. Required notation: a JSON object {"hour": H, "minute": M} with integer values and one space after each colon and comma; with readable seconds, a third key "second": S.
{"hour": 3, "minute": 3}
